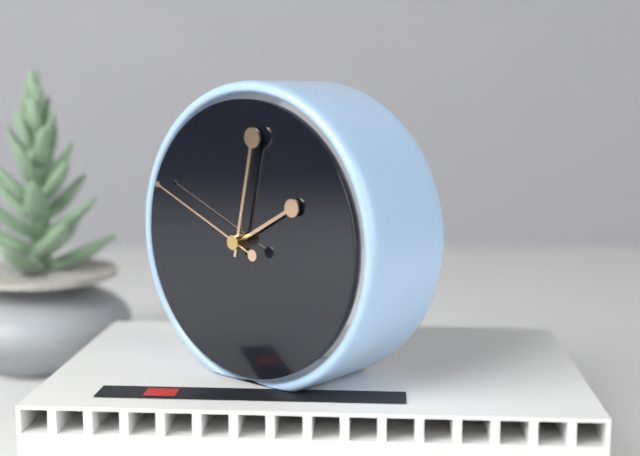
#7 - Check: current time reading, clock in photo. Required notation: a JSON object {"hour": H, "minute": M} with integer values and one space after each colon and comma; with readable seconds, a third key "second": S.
{"hour": 2, "minute": 2, "second": 49}
